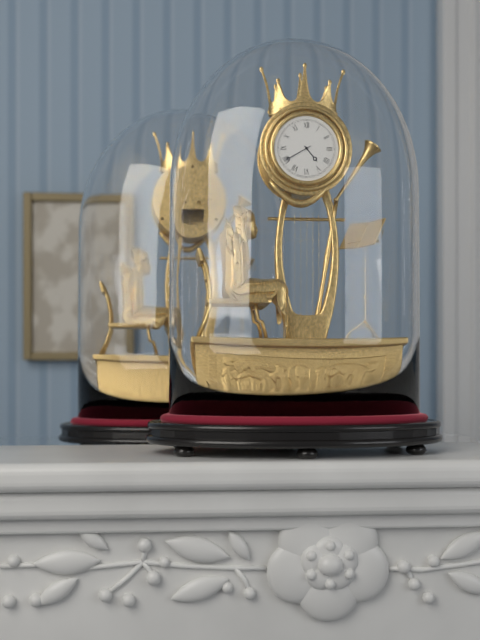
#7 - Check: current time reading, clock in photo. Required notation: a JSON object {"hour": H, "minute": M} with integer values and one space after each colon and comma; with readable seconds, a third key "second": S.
{"hour": 4, "minute": 40}
